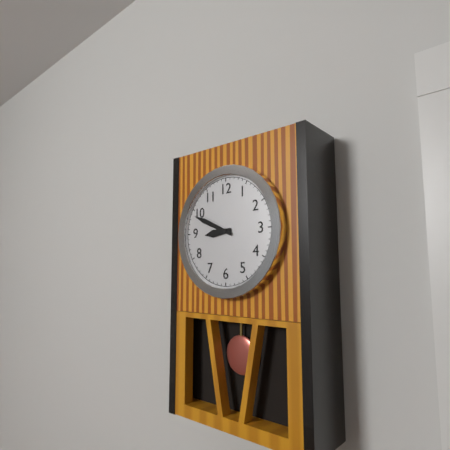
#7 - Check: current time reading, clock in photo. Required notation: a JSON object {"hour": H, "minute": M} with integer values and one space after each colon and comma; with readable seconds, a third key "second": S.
{"hour": 8, "minute": 49}
